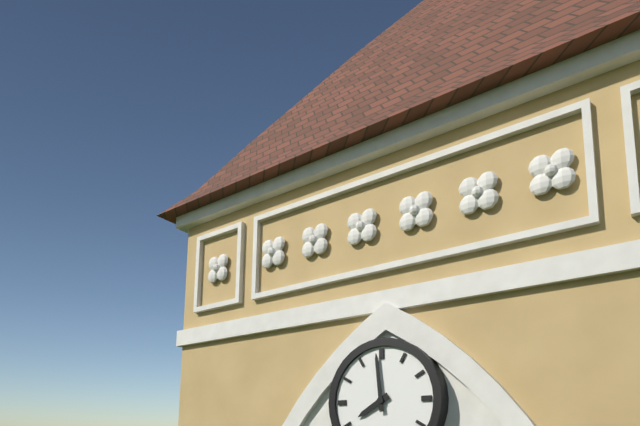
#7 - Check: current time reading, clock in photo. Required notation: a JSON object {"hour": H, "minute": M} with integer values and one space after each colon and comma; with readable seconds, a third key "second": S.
{"hour": 7, "minute": 59}
